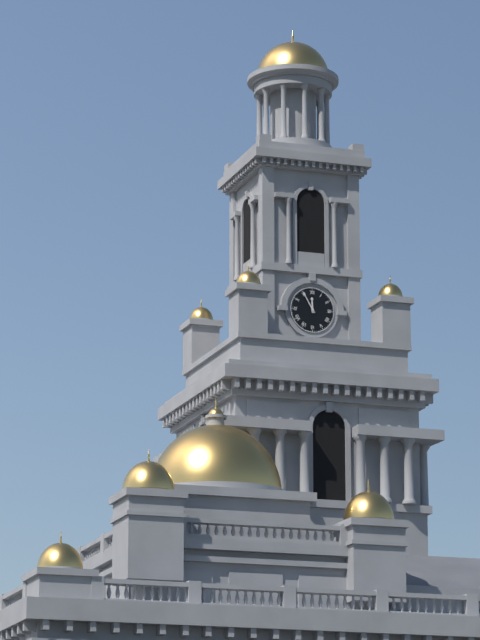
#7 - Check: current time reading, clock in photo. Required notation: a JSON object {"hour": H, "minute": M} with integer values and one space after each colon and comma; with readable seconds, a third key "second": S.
{"hour": 11, "minute": 55}
